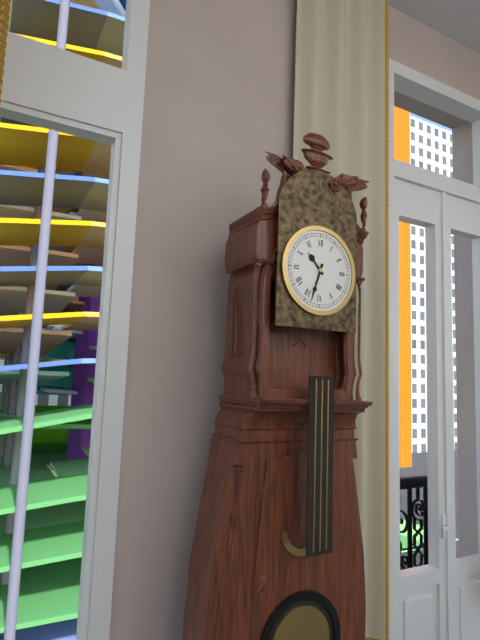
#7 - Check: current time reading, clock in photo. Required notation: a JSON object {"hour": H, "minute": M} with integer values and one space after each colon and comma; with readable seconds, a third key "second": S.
{"hour": 10, "minute": 33}
